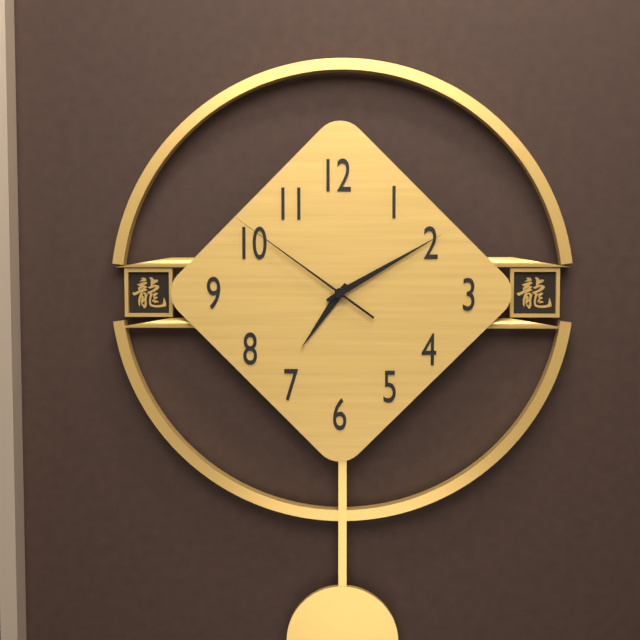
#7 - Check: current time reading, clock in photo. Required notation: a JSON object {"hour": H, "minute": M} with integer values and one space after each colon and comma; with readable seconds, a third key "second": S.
{"hour": 7, "minute": 10, "second": 51}
